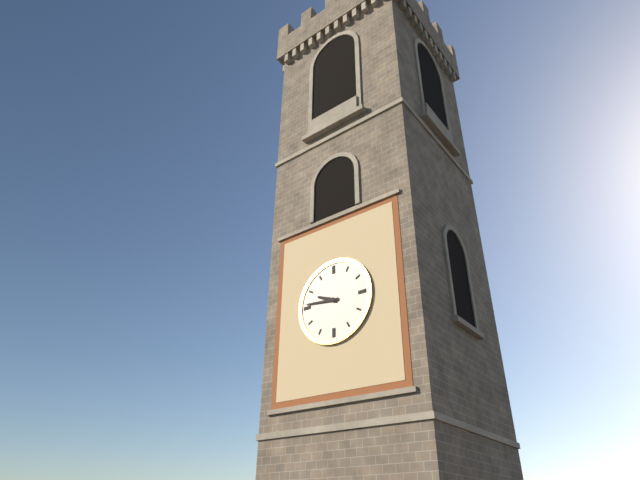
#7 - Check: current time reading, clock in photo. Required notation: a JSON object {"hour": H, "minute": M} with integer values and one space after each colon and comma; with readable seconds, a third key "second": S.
{"hour": 9, "minute": 46}
